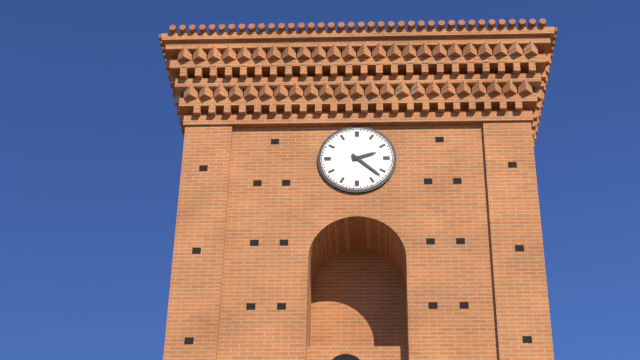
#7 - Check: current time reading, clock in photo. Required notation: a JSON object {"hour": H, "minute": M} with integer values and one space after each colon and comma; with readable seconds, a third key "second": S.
{"hour": 2, "minute": 22}
